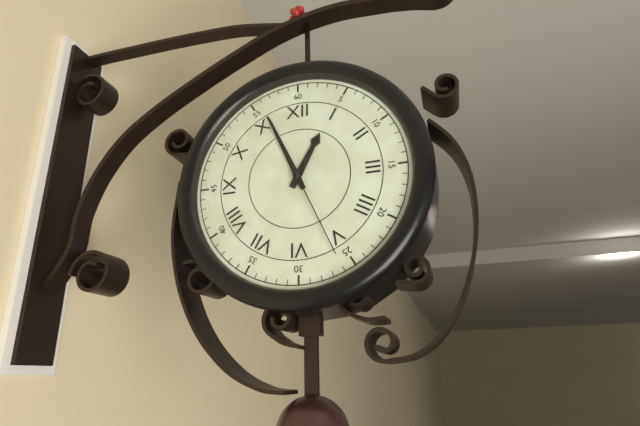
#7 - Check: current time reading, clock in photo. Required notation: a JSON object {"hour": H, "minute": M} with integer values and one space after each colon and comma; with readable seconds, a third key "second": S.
{"hour": 12, "minute": 56, "second": 26}
